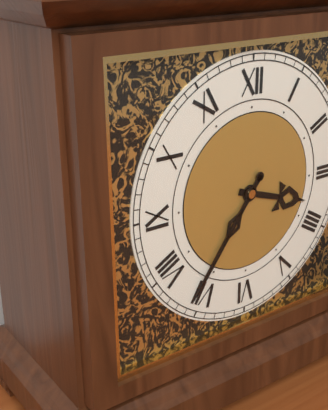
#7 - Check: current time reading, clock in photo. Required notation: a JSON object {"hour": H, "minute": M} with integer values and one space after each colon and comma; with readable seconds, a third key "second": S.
{"hour": 3, "minute": 36}
